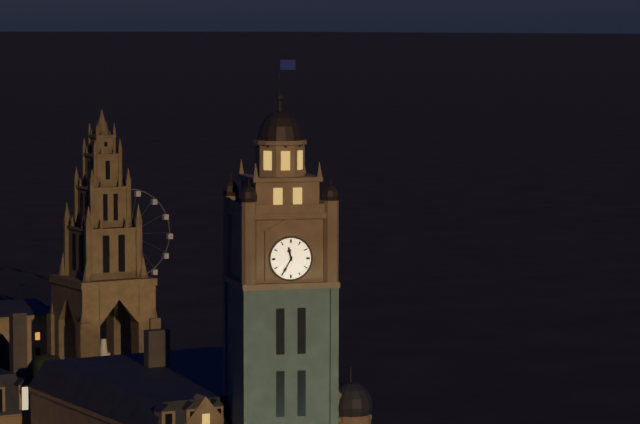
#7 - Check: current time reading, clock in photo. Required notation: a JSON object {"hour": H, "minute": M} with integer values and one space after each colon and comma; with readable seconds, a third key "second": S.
{"hour": 11, "minute": 35}
